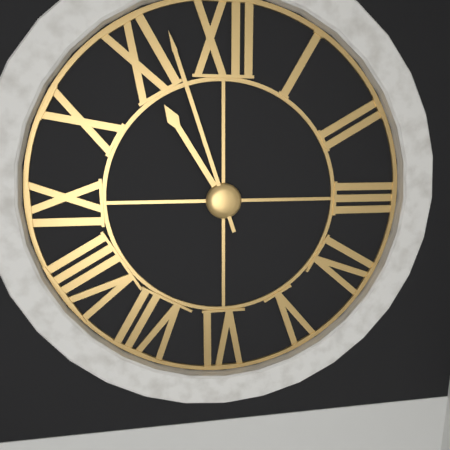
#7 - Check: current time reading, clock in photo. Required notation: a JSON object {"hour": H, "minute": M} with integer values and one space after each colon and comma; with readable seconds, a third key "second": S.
{"hour": 10, "minute": 57}
